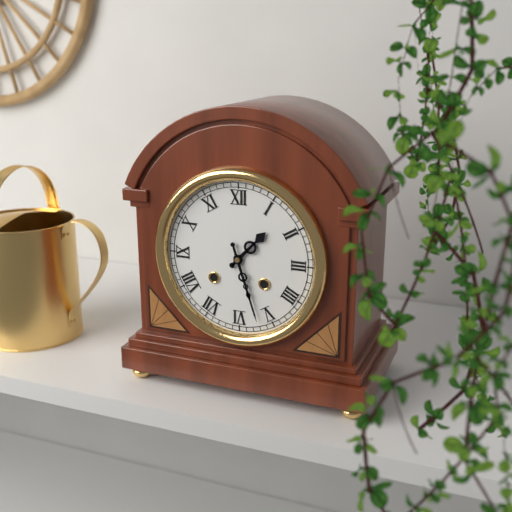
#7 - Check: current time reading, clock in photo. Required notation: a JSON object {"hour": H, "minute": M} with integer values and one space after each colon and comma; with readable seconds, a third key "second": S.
{"hour": 1, "minute": 27}
